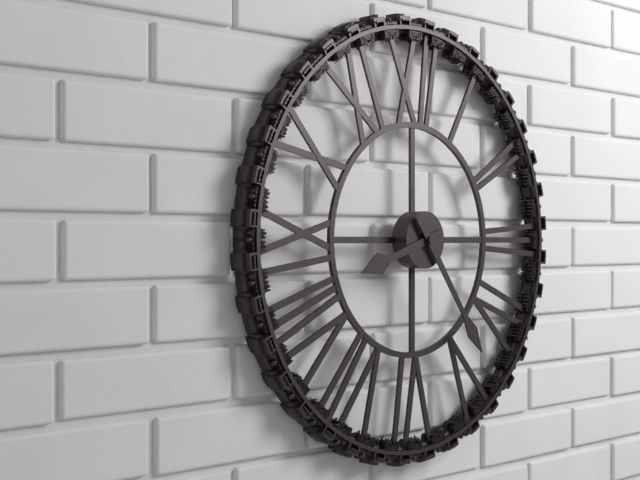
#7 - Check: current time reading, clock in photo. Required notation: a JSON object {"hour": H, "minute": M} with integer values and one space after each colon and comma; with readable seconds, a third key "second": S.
{"hour": 8, "minute": 24}
